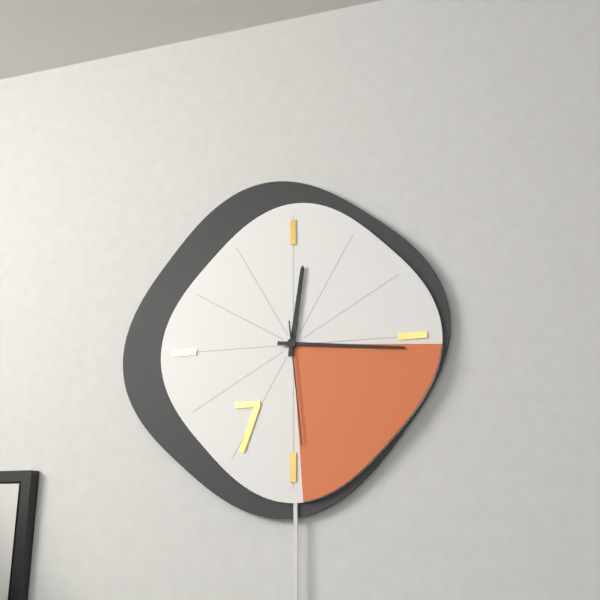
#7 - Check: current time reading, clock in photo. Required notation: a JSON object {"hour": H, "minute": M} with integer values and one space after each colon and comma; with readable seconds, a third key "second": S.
{"hour": 12, "minute": 16, "second": 29}
